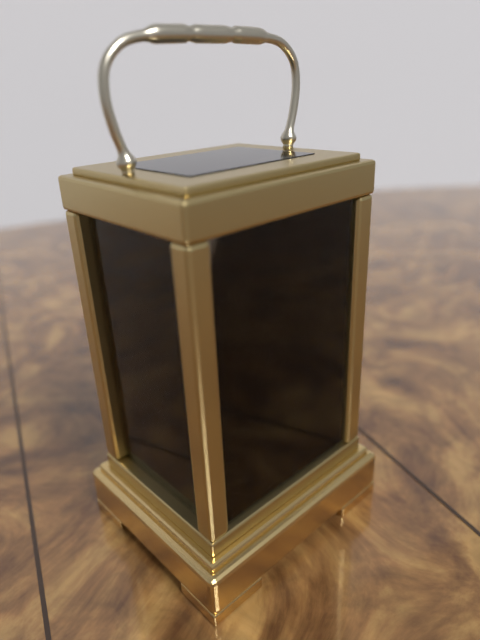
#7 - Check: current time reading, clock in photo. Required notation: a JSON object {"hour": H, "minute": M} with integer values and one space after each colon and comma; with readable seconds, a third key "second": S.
{"hour": 7, "minute": 9}
